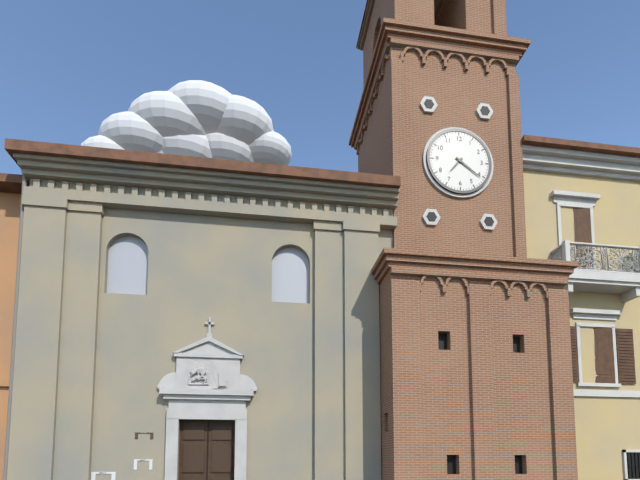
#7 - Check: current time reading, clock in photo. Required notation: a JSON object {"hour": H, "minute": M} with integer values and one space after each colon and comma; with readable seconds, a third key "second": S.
{"hour": 7, "minute": 21}
